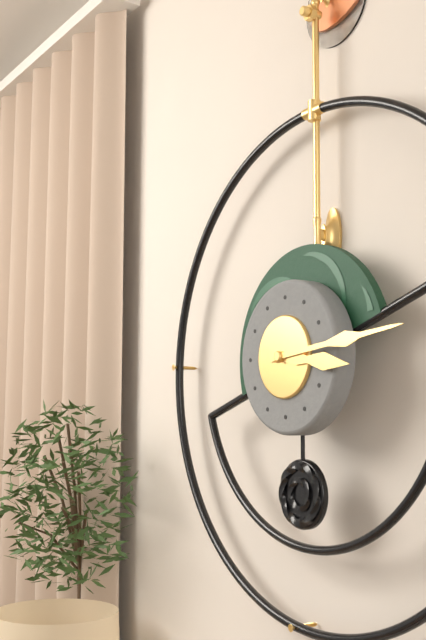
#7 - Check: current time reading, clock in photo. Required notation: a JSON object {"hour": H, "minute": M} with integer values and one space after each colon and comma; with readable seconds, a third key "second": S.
{"hour": 3, "minute": 14}
